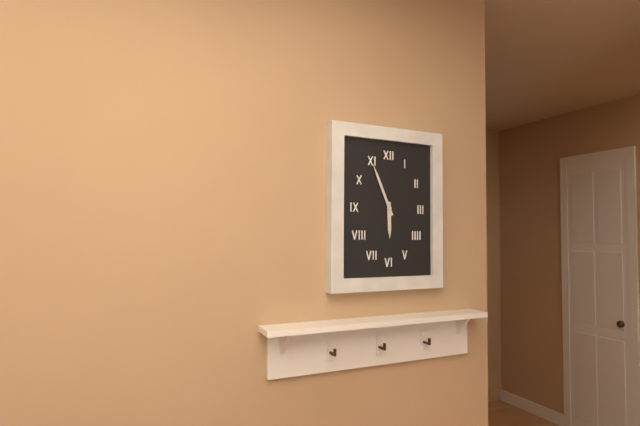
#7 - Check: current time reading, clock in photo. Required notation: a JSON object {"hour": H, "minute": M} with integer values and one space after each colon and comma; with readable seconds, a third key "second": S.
{"hour": 5, "minute": 56}
